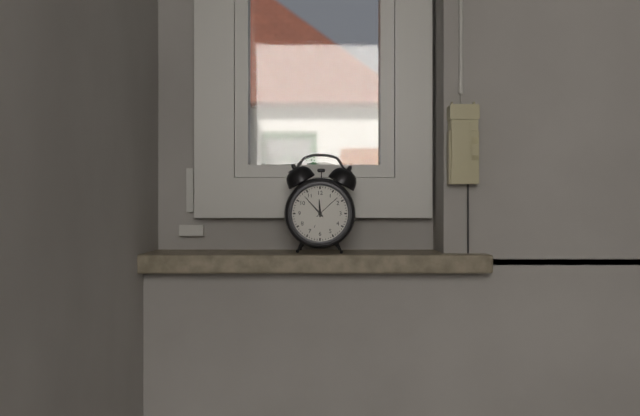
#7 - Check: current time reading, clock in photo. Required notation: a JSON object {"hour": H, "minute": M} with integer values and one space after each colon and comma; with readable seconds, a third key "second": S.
{"hour": 11, "minute": 53}
